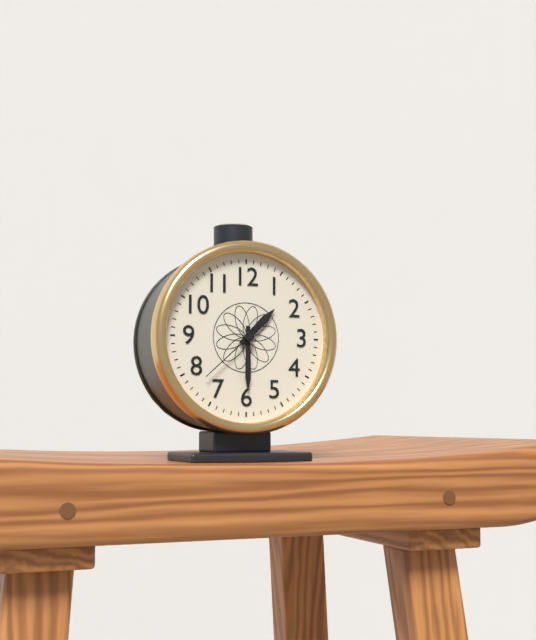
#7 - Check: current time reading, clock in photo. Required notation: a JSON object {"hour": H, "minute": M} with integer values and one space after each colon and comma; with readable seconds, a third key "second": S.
{"hour": 1, "minute": 30, "second": 38}
